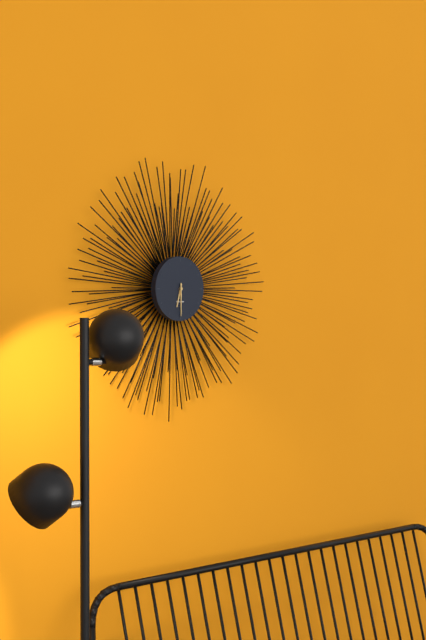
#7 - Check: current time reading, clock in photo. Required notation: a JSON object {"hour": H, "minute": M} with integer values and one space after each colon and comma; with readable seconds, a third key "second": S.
{"hour": 6, "minute": 30}
